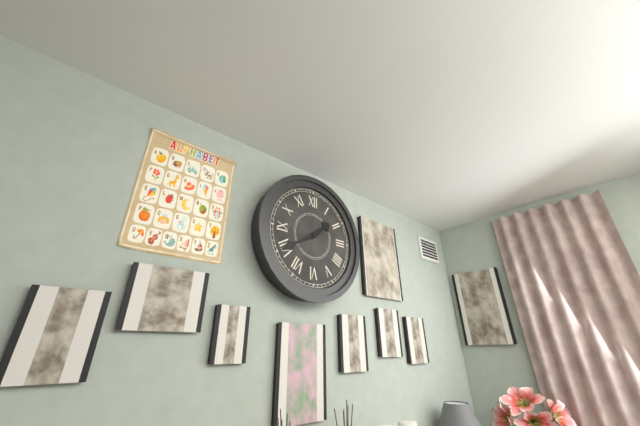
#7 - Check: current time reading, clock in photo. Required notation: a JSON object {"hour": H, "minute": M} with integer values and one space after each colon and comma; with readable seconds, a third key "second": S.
{"hour": 1, "minute": 40}
